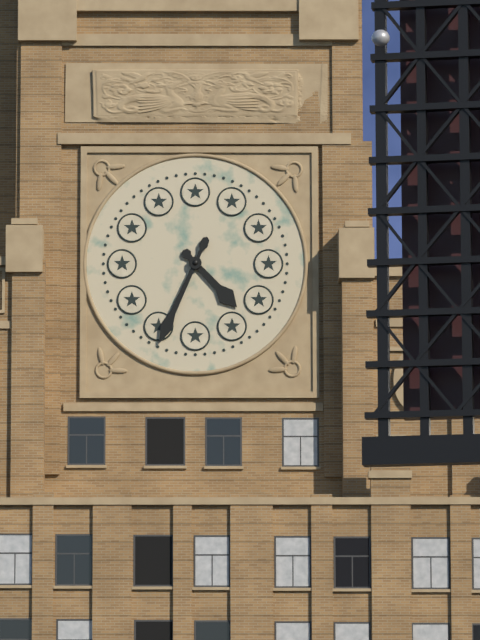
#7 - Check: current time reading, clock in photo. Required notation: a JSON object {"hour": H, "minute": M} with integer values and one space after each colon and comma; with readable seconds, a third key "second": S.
{"hour": 4, "minute": 34}
